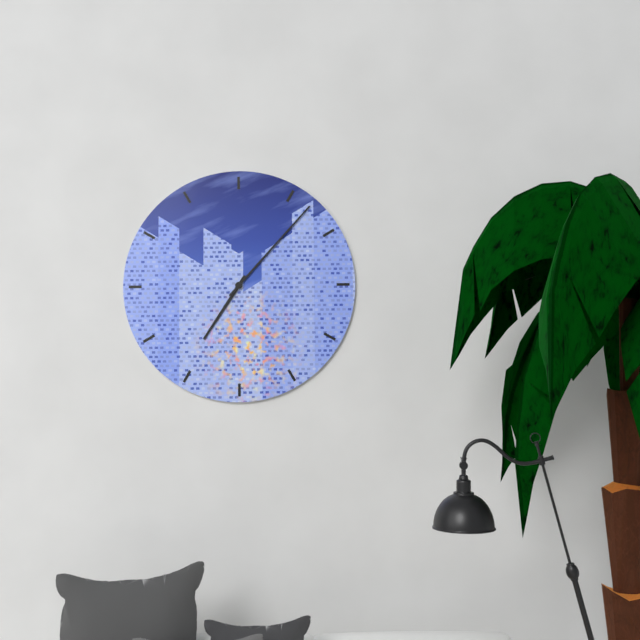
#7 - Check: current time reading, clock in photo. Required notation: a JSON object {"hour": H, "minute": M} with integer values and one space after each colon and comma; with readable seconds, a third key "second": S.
{"hour": 7, "minute": 7}
